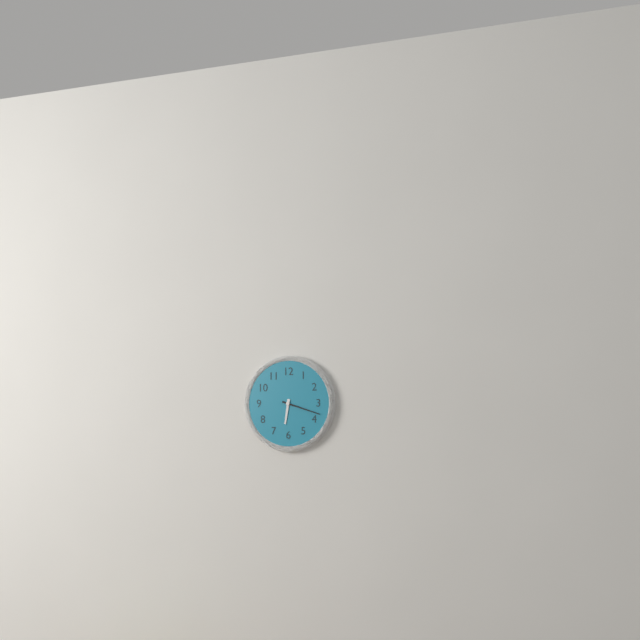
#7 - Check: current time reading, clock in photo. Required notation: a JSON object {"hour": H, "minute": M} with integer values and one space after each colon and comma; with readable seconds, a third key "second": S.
{"hour": 6, "minute": 18}
